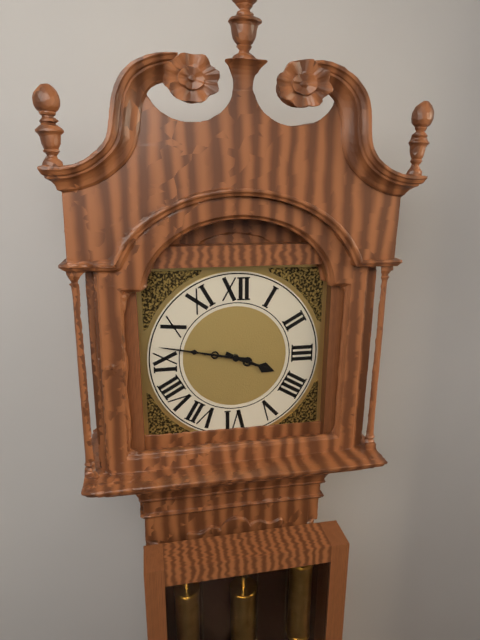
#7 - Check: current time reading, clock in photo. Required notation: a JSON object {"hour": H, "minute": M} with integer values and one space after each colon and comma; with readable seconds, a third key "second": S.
{"hour": 3, "minute": 47}
